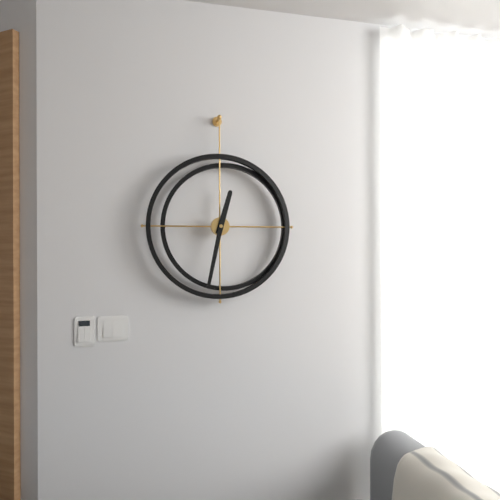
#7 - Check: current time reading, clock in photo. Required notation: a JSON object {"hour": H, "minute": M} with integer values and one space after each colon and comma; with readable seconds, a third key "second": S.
{"hour": 12, "minute": 32}
